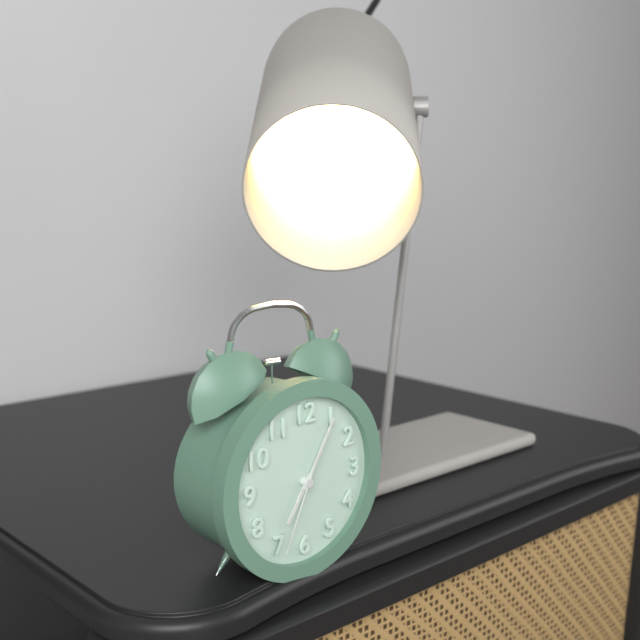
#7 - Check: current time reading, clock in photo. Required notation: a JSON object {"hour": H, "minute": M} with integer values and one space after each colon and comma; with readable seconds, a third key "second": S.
{"hour": 7, "minute": 5, "second": 34}
